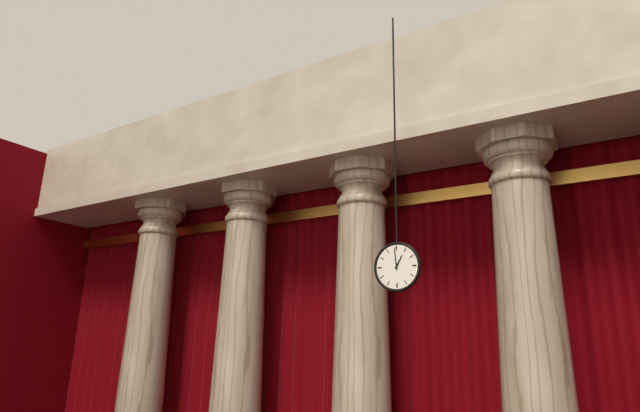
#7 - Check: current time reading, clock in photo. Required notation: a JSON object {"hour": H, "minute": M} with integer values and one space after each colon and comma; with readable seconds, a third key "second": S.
{"hour": 12, "minute": 59}
